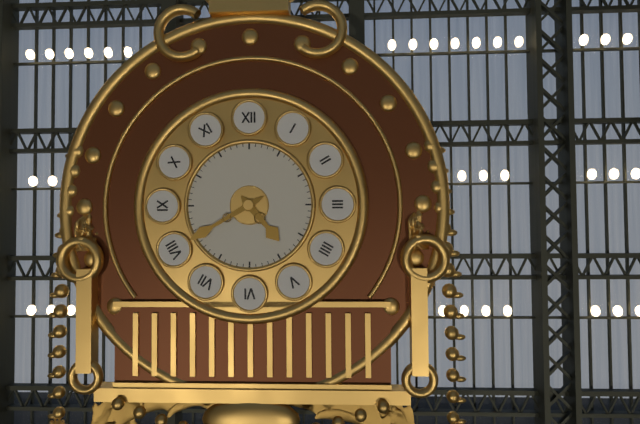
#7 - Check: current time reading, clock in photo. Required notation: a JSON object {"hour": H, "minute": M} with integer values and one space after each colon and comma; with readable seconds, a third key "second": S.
{"hour": 4, "minute": 40}
